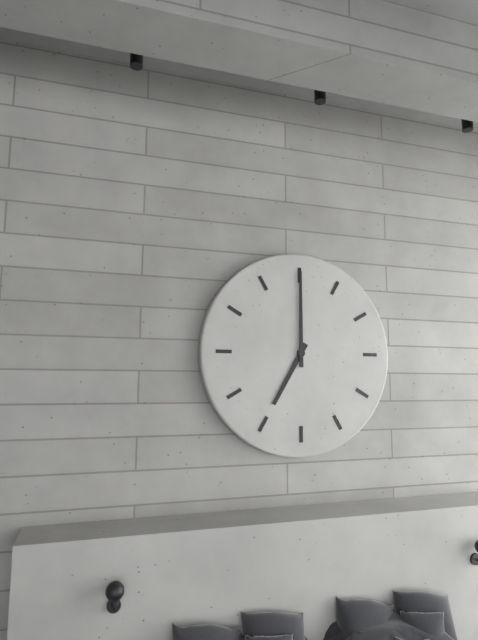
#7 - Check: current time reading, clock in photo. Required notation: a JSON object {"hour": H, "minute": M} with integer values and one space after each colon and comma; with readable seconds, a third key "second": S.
{"hour": 7, "minute": 0}
